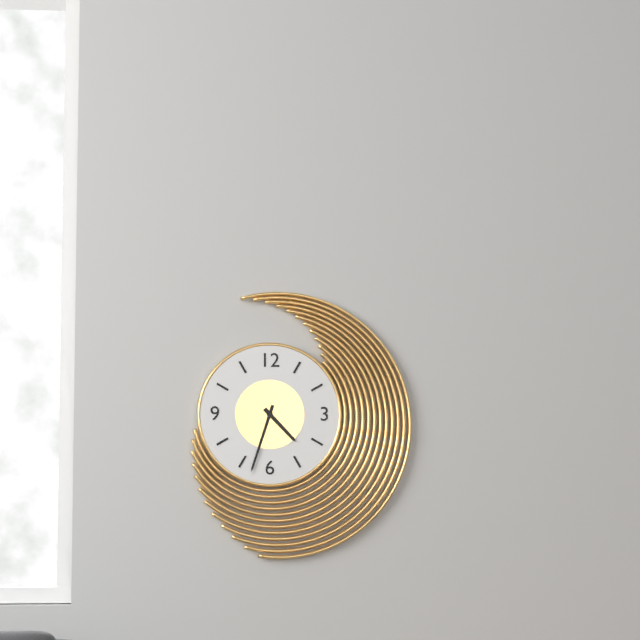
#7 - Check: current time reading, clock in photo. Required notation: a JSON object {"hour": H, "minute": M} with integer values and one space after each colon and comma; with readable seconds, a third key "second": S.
{"hour": 4, "minute": 33}
